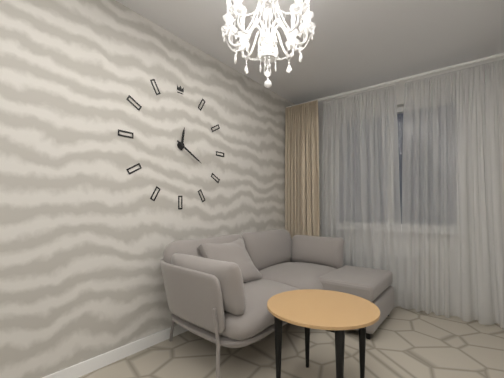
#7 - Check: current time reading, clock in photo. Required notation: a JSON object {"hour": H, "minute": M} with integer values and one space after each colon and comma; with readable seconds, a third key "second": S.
{"hour": 12, "minute": 20}
